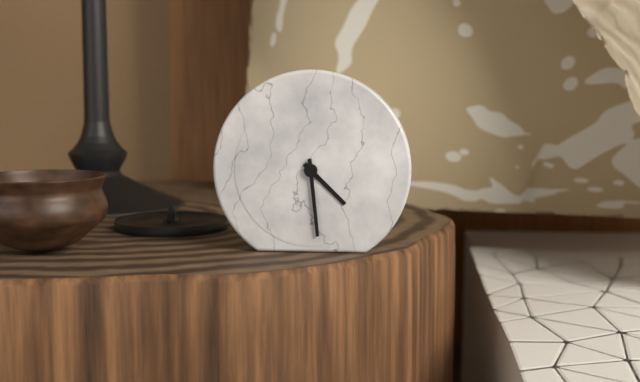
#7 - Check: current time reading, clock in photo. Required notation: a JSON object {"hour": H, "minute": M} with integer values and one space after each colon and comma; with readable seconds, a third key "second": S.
{"hour": 4, "minute": 29}
